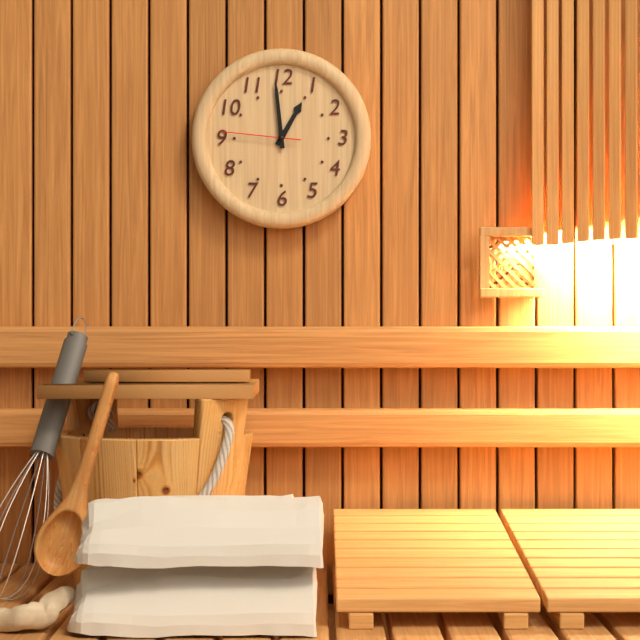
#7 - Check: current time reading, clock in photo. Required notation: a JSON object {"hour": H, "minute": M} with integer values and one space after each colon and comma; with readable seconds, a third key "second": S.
{"hour": 12, "minute": 59, "second": 46}
